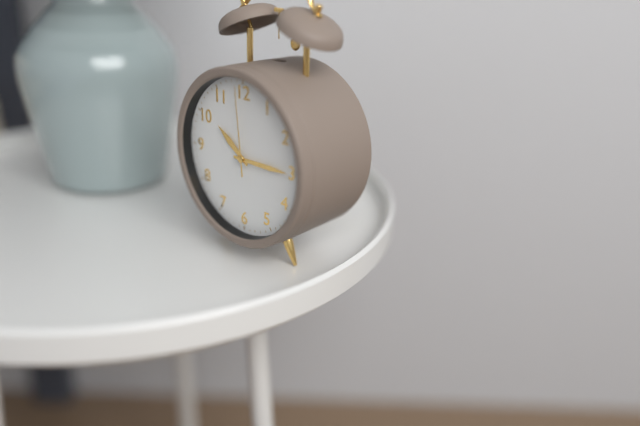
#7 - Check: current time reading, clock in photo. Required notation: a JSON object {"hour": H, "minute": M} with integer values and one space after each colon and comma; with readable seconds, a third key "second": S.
{"hour": 10, "minute": 15, "second": 59}
